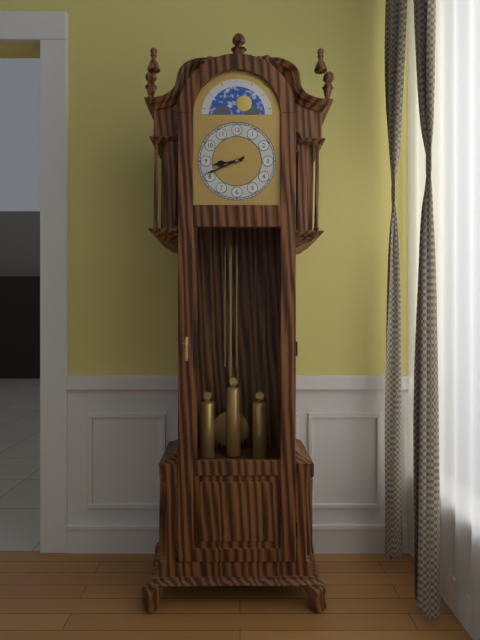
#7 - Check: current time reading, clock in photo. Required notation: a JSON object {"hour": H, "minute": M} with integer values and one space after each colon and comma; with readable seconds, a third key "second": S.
{"hour": 8, "minute": 41}
